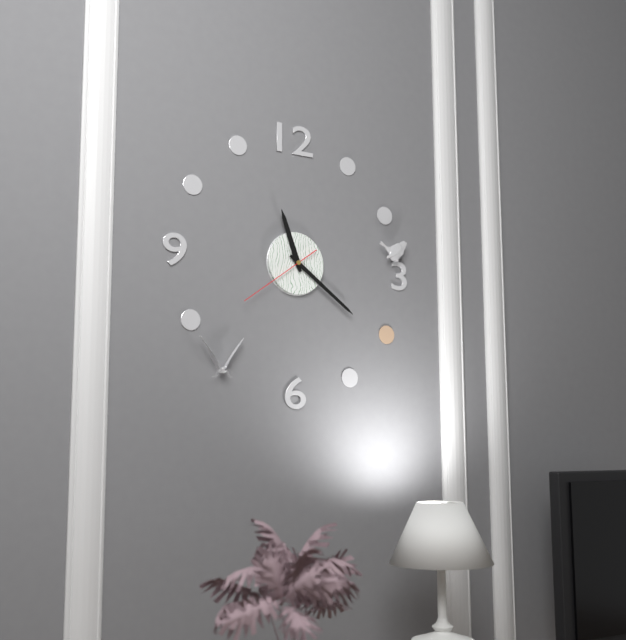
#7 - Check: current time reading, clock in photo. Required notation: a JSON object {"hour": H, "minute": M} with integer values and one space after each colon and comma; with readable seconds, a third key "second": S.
{"hour": 11, "minute": 21, "second": 39}
